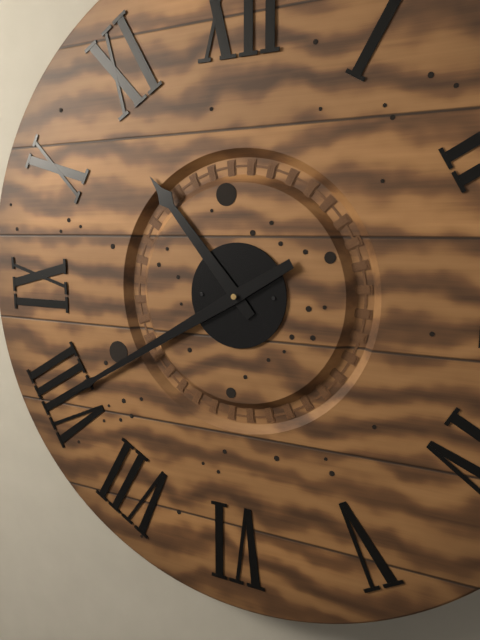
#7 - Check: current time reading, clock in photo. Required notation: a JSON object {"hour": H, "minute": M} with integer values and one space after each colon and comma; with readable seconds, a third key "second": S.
{"hour": 10, "minute": 40}
